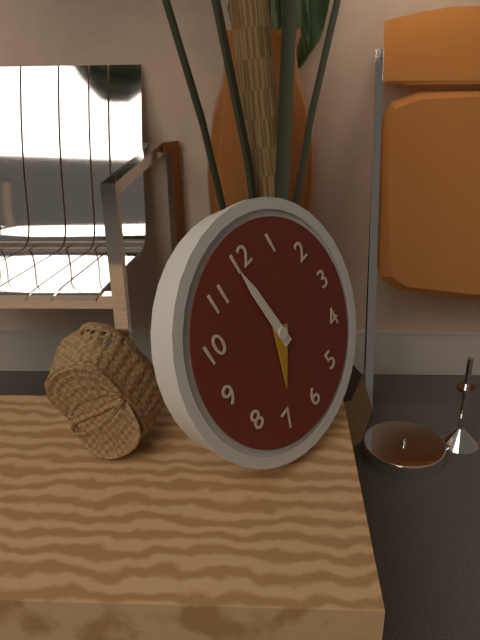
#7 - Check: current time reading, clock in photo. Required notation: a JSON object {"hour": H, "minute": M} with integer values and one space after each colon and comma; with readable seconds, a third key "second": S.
{"hour": 6, "minute": 59}
